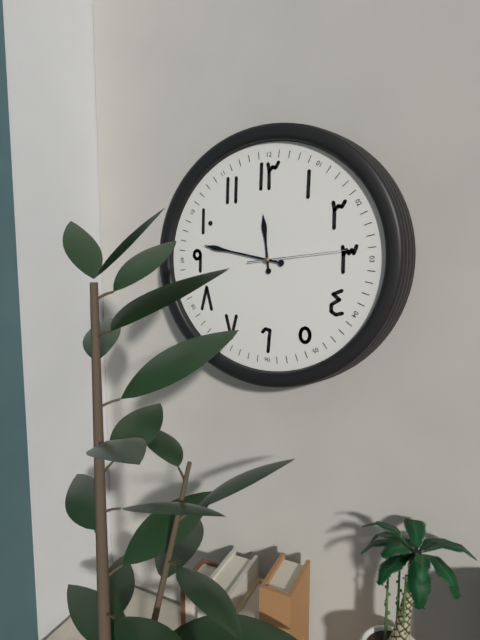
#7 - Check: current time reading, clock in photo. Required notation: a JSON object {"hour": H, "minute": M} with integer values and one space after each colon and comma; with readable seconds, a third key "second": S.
{"hour": 11, "minute": 47, "second": 14}
